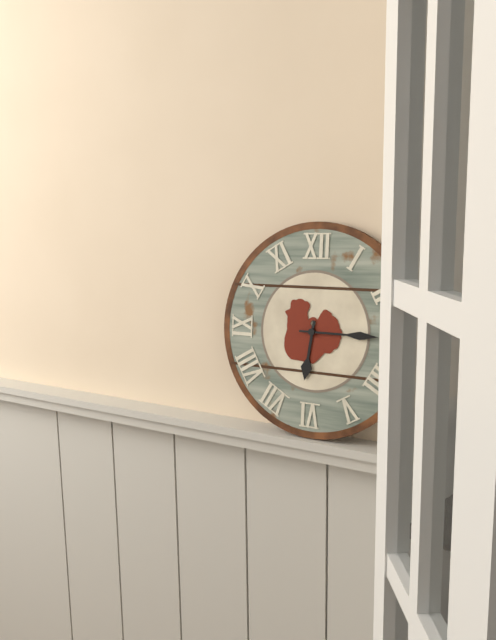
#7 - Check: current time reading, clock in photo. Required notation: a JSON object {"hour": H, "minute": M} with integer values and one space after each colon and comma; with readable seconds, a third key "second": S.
{"hour": 6, "minute": 15}
